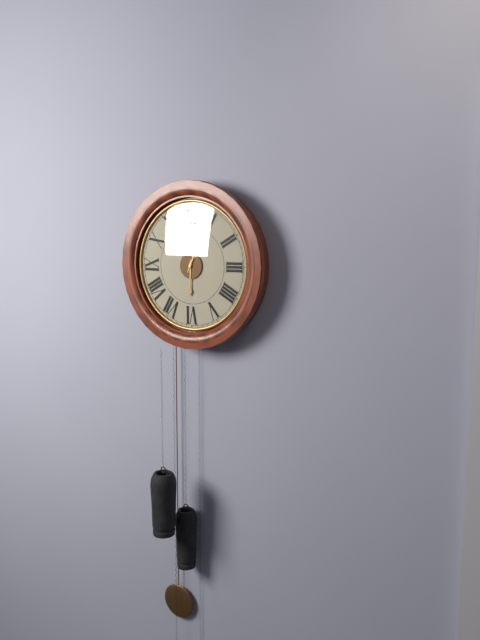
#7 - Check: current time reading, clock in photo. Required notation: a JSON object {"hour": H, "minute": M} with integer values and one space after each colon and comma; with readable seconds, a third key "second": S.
{"hour": 6, "minute": 4}
